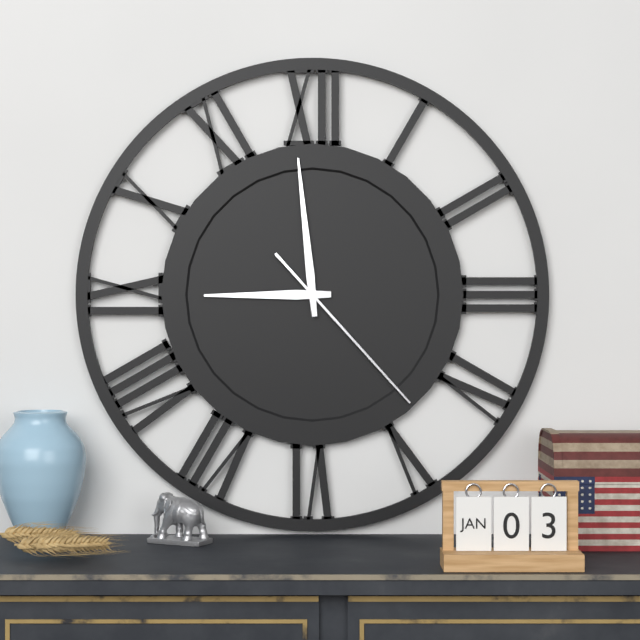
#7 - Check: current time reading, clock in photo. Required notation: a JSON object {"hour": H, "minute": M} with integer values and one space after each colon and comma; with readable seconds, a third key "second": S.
{"hour": 8, "minute": 59, "second": 23}
